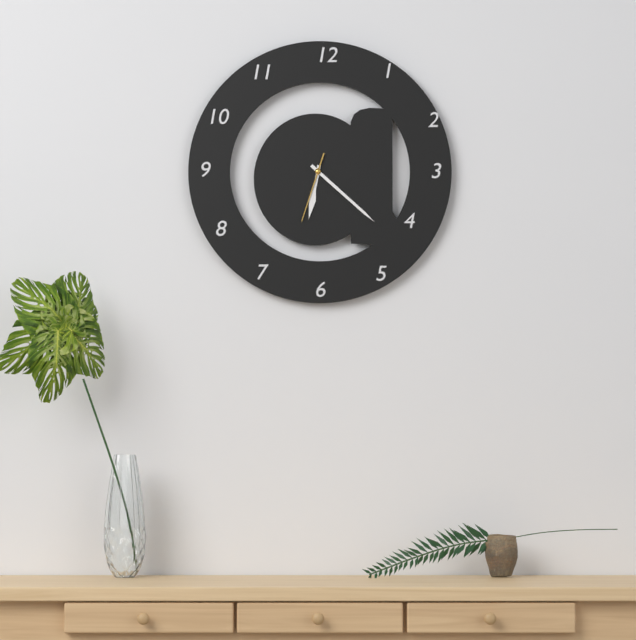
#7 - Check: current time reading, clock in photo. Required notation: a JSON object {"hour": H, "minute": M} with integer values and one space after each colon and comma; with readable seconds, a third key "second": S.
{"hour": 6, "minute": 22, "second": 33}
